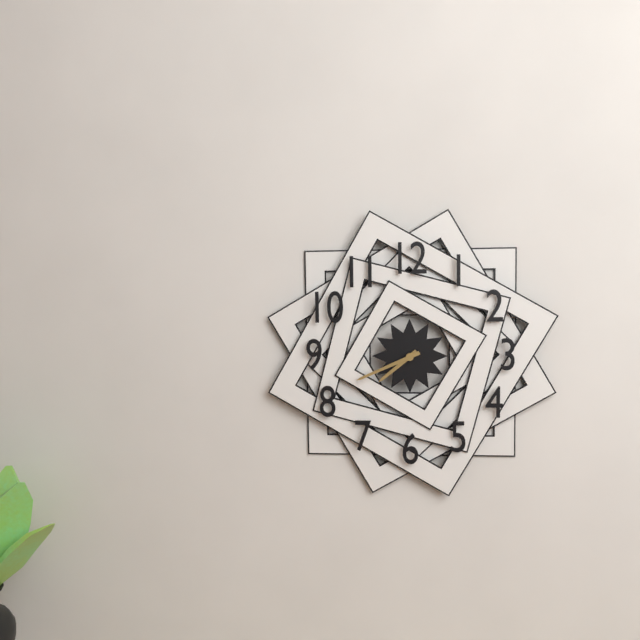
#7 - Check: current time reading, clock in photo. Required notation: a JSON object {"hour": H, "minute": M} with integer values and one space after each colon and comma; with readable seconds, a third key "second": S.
{"hour": 7, "minute": 41}
